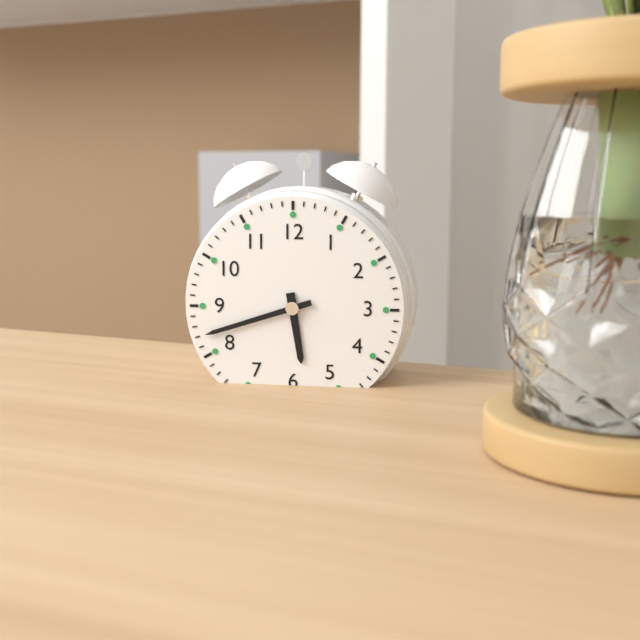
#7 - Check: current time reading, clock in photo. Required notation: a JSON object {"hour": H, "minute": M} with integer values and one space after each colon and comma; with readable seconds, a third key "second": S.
{"hour": 5, "minute": 42}
